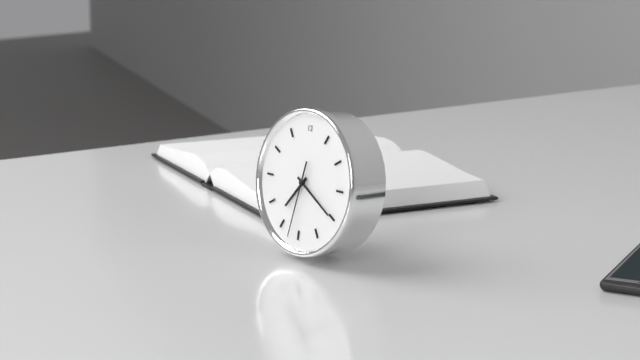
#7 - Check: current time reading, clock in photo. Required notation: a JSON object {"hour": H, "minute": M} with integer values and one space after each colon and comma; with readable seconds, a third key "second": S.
{"hour": 7, "minute": 20, "second": 32}
